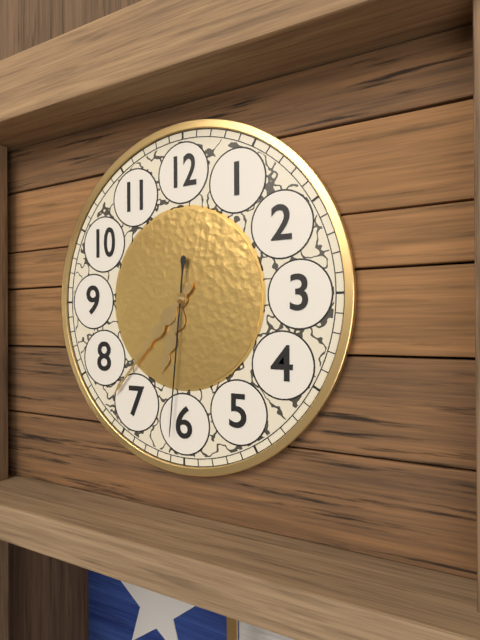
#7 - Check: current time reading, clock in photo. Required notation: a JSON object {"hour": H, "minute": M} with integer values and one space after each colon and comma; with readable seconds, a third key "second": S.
{"hour": 6, "minute": 37, "second": 31}
